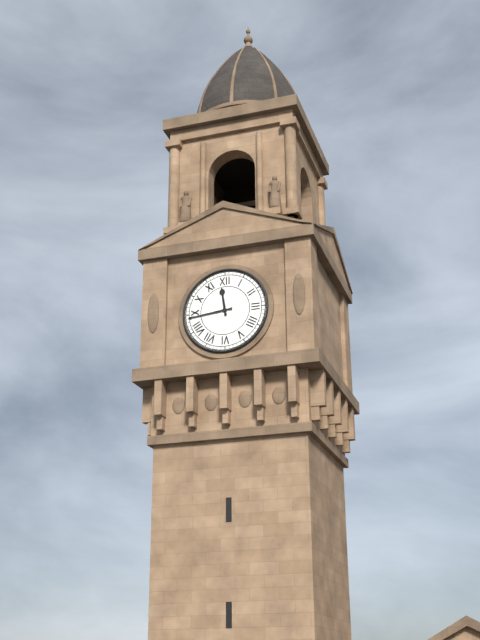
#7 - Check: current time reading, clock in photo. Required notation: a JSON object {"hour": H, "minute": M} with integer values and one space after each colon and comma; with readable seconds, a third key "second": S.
{"hour": 11, "minute": 44}
